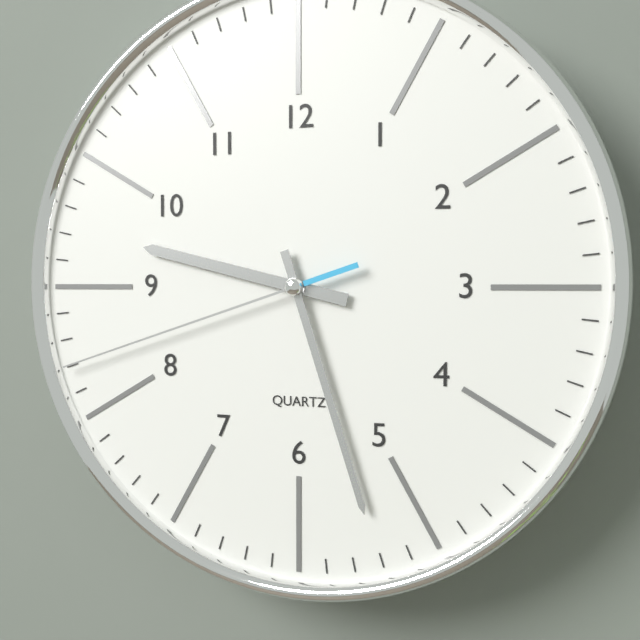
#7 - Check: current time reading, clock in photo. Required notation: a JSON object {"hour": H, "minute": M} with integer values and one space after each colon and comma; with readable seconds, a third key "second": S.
{"hour": 9, "minute": 27, "second": 42}
